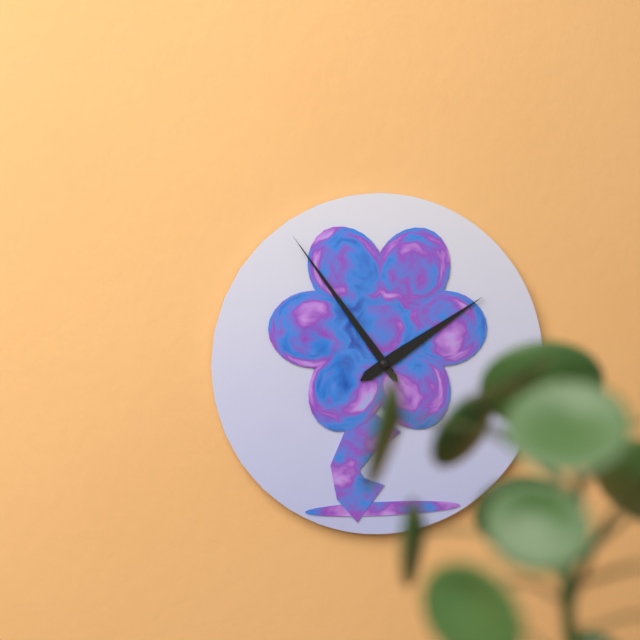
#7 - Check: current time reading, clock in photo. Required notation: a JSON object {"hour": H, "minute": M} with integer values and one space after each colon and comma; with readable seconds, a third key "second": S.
{"hour": 1, "minute": 54}
